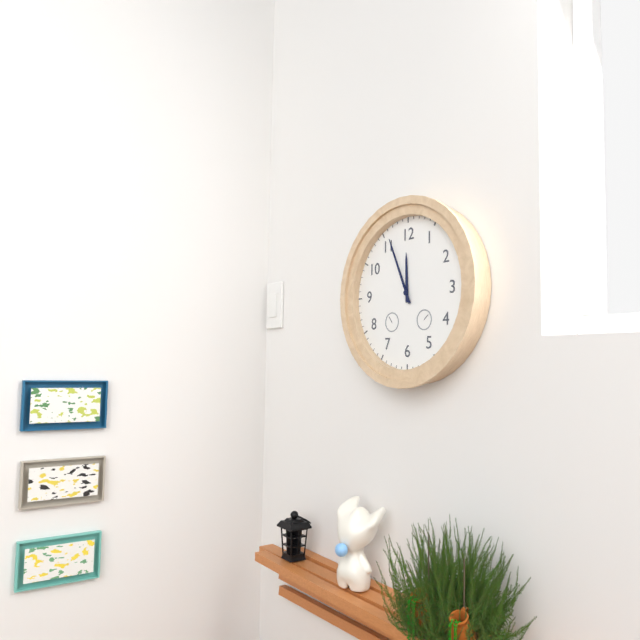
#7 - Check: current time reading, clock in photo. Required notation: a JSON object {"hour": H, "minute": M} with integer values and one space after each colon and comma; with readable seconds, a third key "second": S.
{"hour": 11, "minute": 56}
